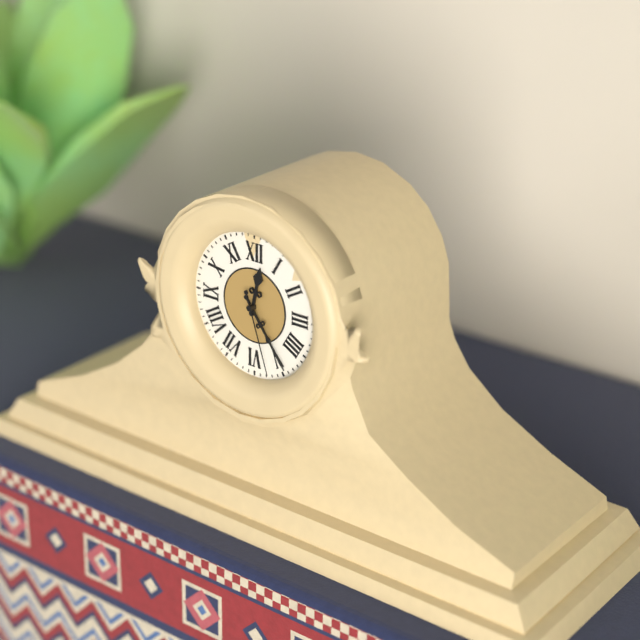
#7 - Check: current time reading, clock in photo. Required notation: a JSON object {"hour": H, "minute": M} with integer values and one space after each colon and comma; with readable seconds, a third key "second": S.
{"hour": 12, "minute": 24, "second": 27}
